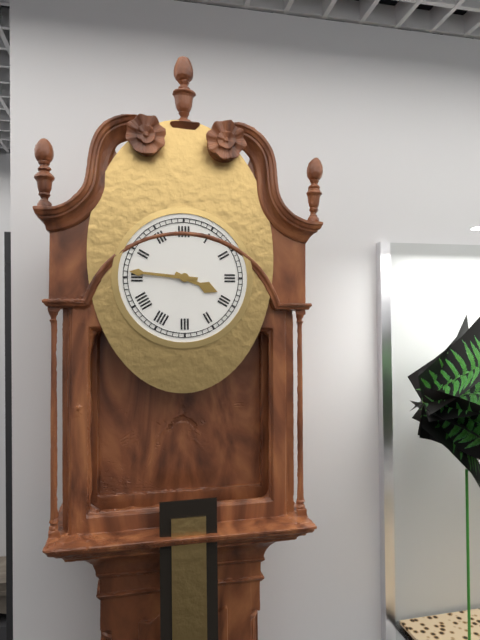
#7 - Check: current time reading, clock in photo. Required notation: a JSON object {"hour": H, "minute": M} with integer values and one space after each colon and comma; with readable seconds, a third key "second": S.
{"hour": 3, "minute": 46}
